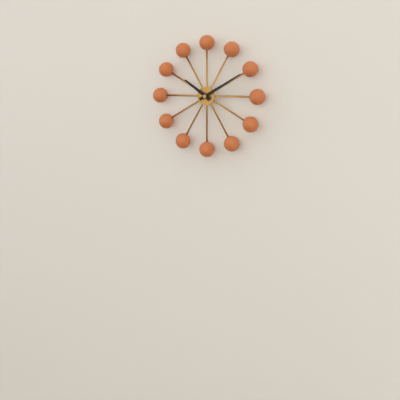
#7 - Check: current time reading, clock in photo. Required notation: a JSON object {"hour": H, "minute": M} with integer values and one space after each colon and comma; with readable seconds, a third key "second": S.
{"hour": 10, "minute": 10}
